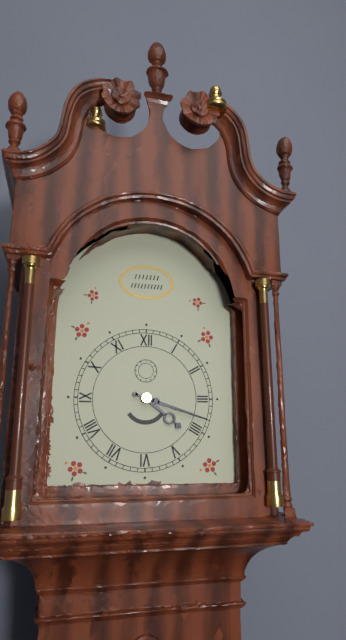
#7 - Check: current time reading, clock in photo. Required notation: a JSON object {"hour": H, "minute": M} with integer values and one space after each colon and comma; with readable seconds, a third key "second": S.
{"hour": 4, "minute": 18}
